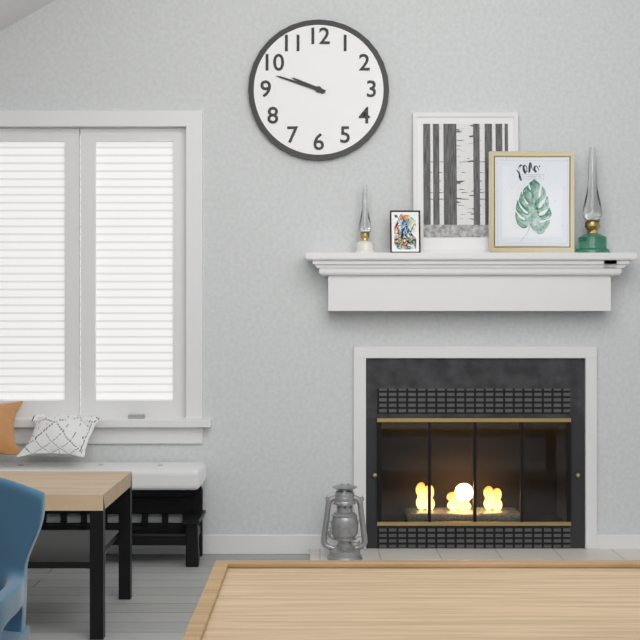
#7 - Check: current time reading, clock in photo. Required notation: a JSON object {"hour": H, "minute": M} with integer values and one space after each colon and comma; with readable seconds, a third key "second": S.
{"hour": 9, "minute": 48}
